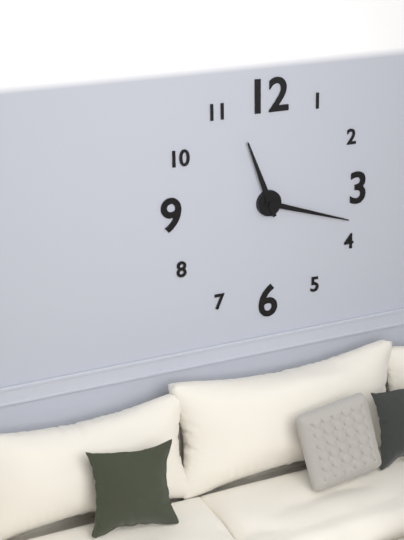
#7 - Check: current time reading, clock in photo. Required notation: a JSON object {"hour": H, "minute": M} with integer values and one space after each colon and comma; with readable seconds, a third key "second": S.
{"hour": 11, "minute": 18}
